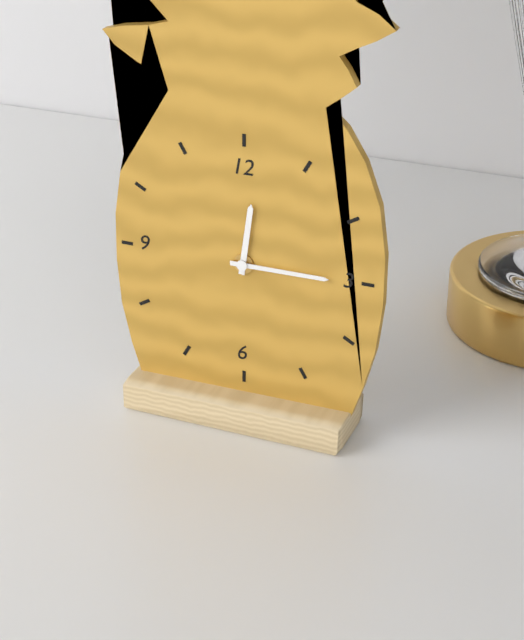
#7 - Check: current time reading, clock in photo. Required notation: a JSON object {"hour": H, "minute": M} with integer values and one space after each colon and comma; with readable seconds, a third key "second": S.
{"hour": 12, "minute": 15}
